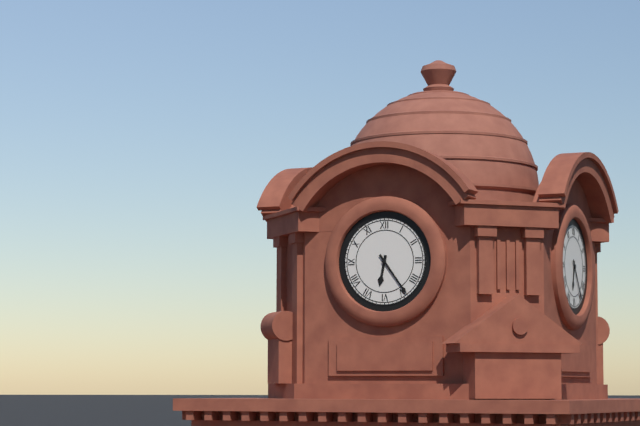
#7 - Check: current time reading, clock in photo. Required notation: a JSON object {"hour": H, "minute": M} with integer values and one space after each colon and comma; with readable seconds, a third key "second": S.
{"hour": 6, "minute": 24}
